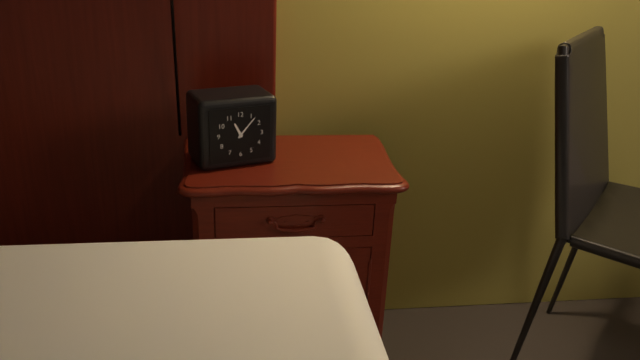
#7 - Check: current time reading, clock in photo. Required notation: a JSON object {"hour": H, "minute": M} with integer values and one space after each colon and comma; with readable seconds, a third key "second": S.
{"hour": 11, "minute": 7}
